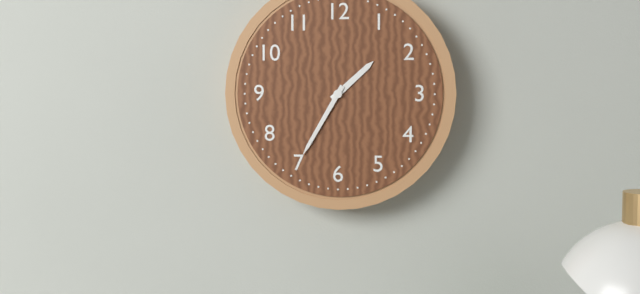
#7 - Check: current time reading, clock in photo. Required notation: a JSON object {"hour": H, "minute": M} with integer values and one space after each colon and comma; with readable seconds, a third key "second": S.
{"hour": 1, "minute": 35}
